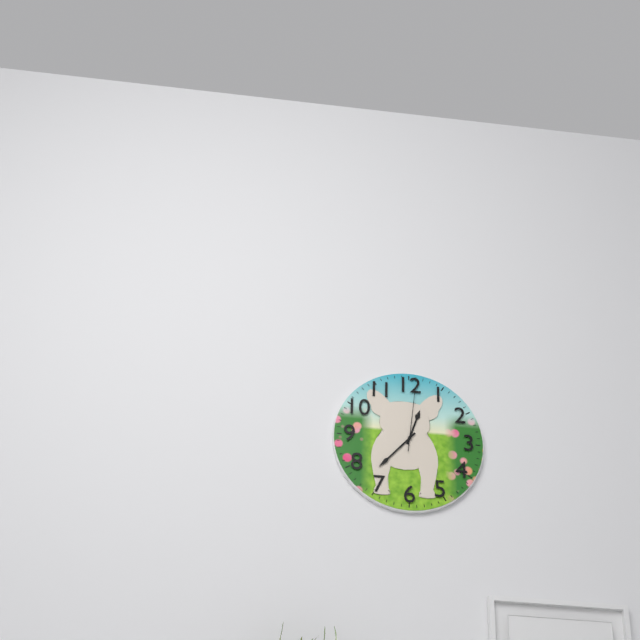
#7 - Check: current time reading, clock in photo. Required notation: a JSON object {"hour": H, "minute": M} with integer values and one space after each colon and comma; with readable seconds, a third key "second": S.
{"hour": 12, "minute": 37, "second": 1}
